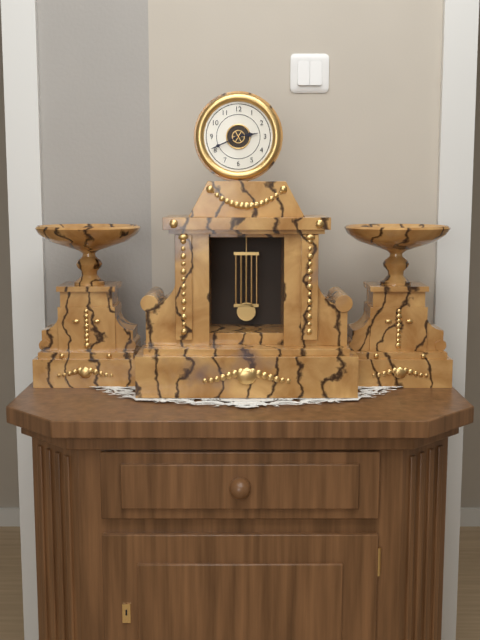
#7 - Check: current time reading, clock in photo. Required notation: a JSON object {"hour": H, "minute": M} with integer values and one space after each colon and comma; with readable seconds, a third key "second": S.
{"hour": 2, "minute": 41}
